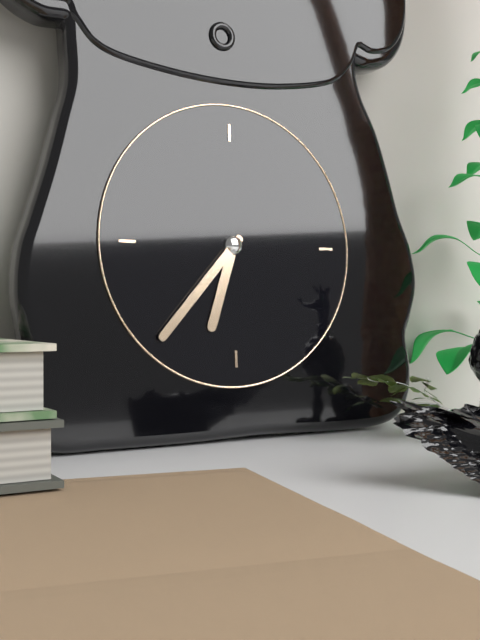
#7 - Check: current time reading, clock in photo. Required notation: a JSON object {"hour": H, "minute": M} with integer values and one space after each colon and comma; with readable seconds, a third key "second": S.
{"hour": 6, "minute": 37}
